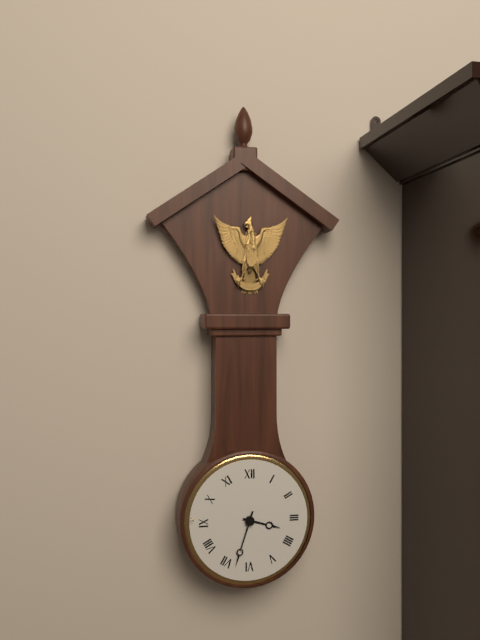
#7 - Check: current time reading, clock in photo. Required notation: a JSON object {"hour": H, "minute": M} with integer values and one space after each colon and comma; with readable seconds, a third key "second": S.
{"hour": 3, "minute": 33}
